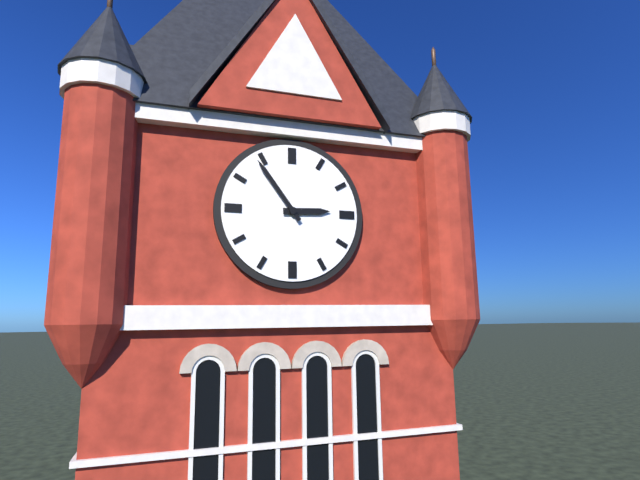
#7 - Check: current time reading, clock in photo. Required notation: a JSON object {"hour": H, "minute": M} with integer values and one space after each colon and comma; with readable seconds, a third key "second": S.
{"hour": 2, "minute": 54}
